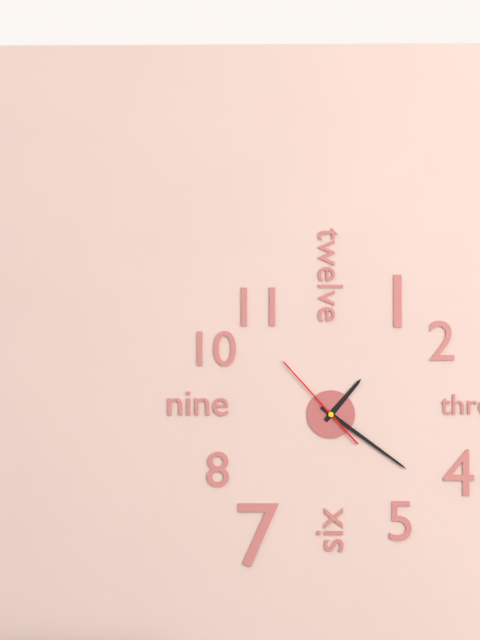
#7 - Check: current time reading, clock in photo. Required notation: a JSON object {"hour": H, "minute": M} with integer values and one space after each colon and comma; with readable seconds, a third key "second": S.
{"hour": 1, "minute": 21, "second": 53}
